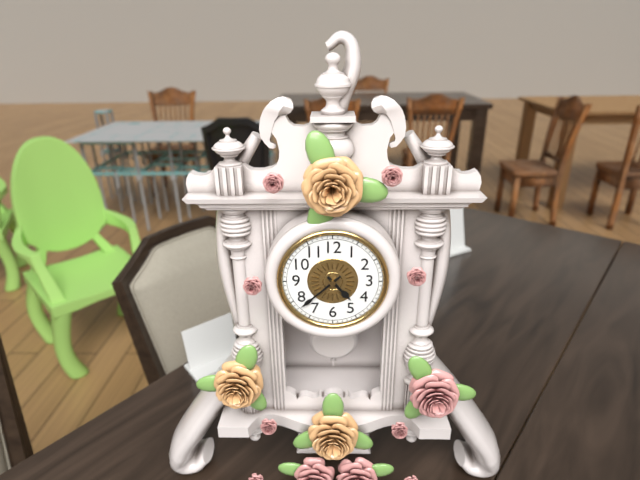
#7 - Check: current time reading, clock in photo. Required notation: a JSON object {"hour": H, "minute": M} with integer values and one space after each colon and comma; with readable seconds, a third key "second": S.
{"hour": 4, "minute": 38}
